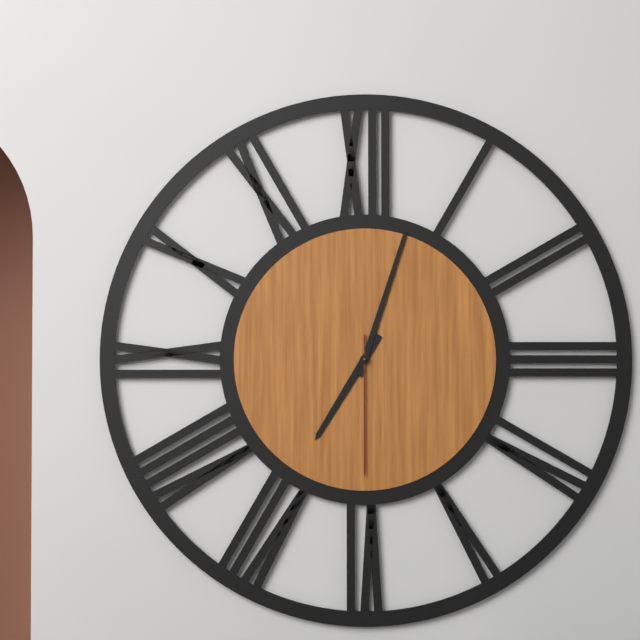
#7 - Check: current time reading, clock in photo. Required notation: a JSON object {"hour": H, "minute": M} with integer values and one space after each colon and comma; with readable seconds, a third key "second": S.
{"hour": 7, "minute": 3, "second": 30}
